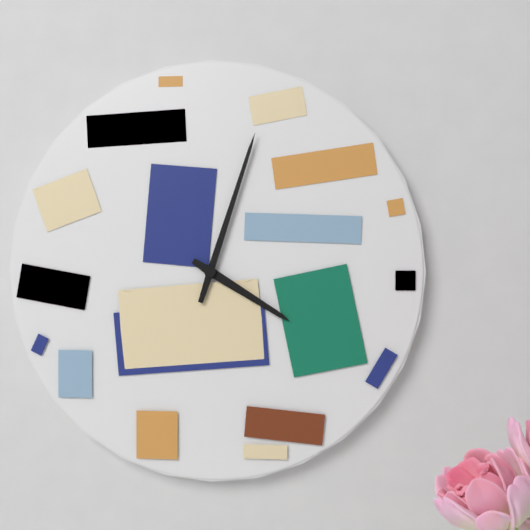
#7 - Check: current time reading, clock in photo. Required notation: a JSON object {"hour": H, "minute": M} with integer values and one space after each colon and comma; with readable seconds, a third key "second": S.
{"hour": 4, "minute": 3}
